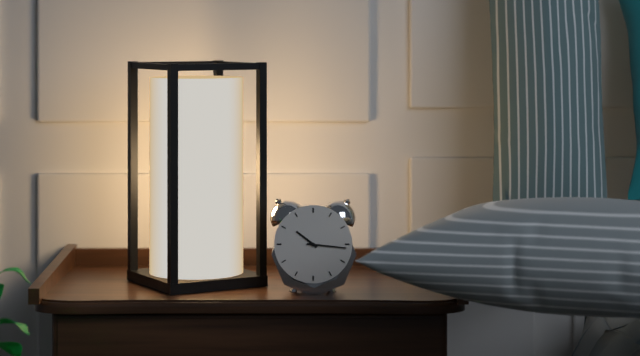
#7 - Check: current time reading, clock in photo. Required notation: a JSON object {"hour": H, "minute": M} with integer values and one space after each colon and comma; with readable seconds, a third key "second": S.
{"hour": 10, "minute": 16}
